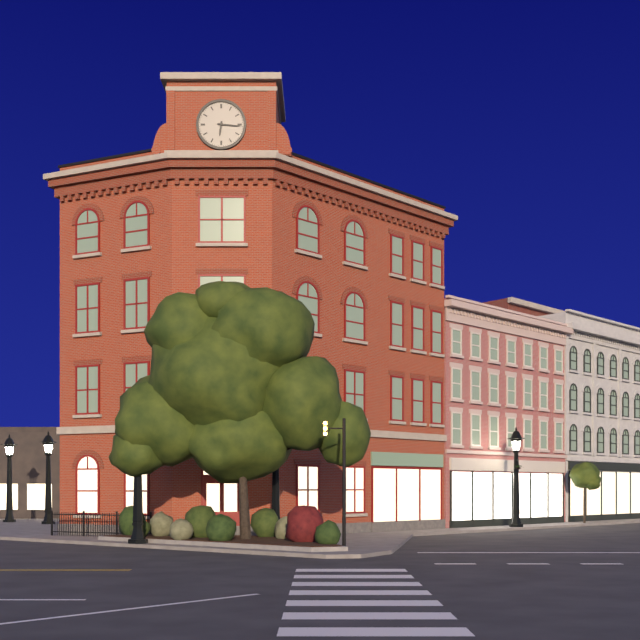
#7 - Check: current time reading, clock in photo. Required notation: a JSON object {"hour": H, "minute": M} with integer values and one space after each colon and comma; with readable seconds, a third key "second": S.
{"hour": 6, "minute": 16}
